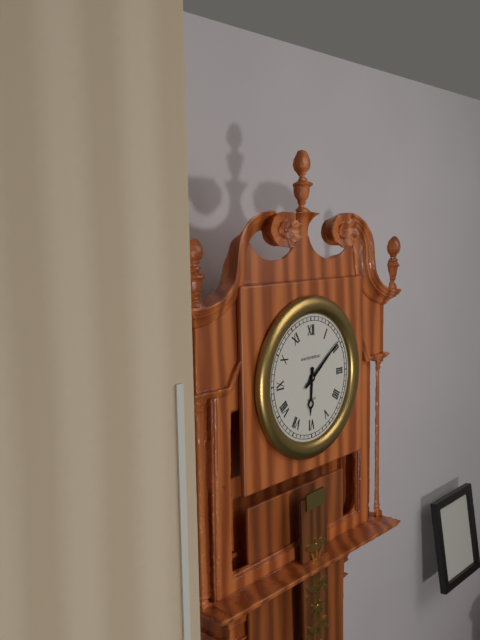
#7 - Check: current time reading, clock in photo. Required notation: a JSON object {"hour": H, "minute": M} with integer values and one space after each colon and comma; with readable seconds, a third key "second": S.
{"hour": 6, "minute": 9}
